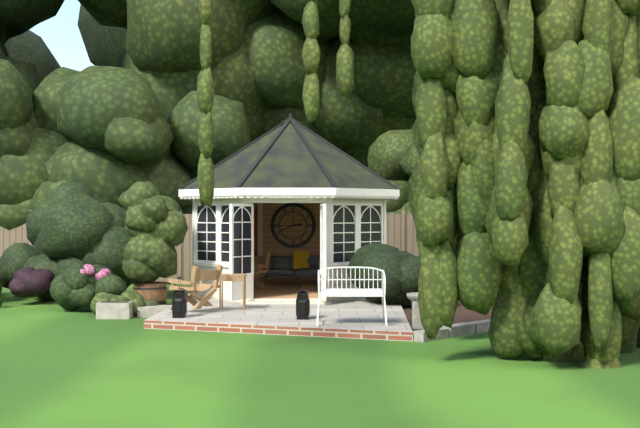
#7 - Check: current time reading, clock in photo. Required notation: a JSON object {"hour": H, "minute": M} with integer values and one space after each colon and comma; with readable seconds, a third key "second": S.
{"hour": 2, "minute": 41}
